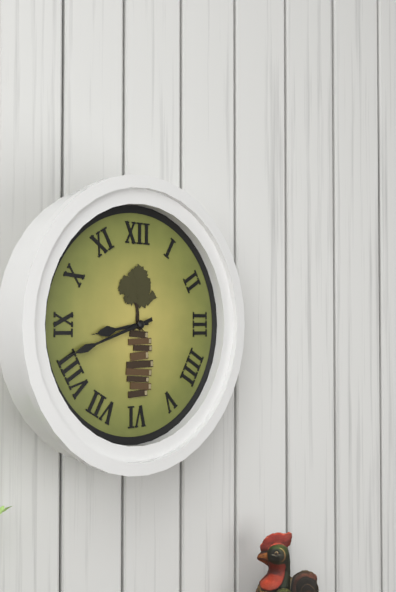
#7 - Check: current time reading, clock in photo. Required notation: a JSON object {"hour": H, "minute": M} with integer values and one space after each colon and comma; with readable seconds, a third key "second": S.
{"hour": 8, "minute": 42}
